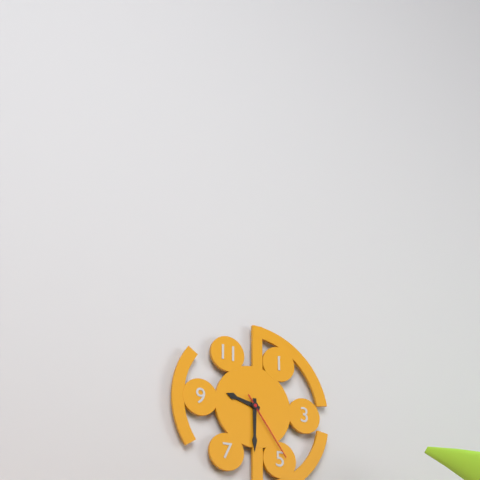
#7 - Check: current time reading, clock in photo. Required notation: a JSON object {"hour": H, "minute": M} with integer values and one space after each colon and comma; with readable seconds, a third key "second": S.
{"hour": 9, "minute": 30, "second": 24}
